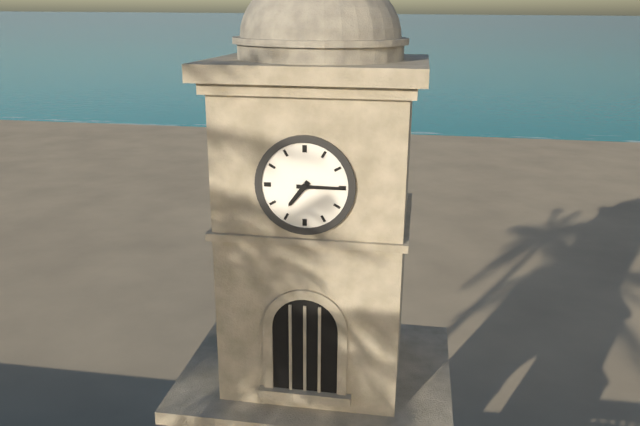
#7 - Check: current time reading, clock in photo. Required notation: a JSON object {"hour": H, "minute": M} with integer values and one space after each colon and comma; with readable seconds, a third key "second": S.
{"hour": 7, "minute": 15}
